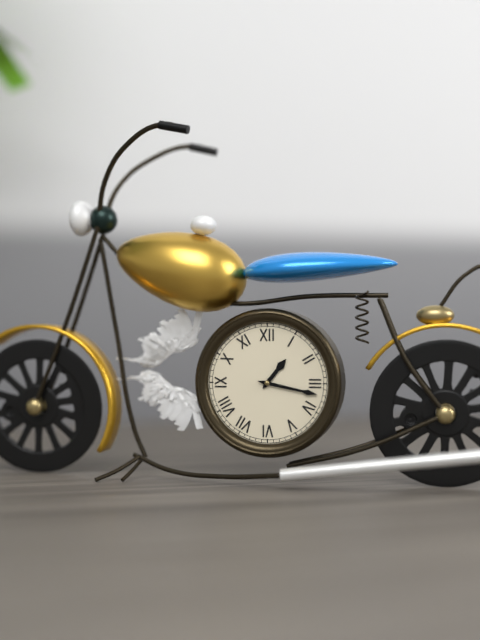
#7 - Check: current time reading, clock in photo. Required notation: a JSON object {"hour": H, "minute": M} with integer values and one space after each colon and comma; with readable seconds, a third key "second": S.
{"hour": 1, "minute": 17}
